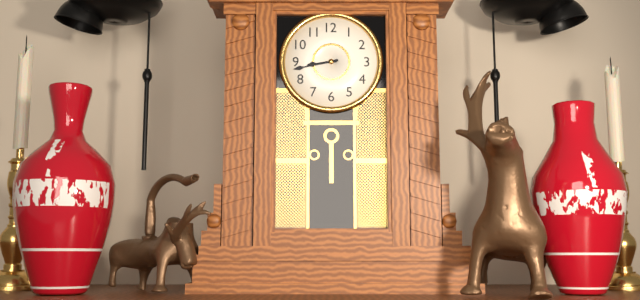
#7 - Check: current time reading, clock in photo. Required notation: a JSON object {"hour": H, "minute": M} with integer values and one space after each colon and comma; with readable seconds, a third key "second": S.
{"hour": 8, "minute": 43}
